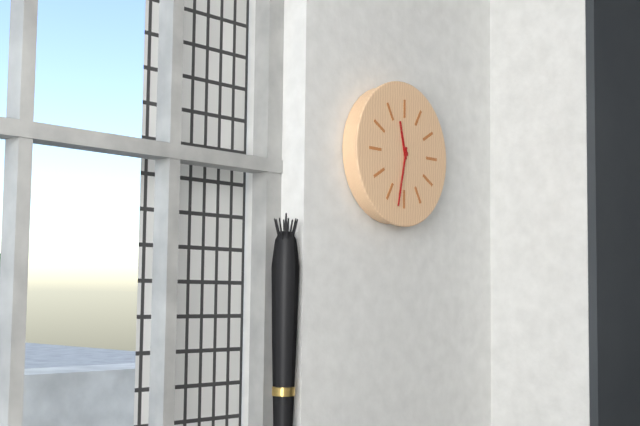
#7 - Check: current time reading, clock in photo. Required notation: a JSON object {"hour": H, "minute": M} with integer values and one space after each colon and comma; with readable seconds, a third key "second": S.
{"hour": 11, "minute": 32}
